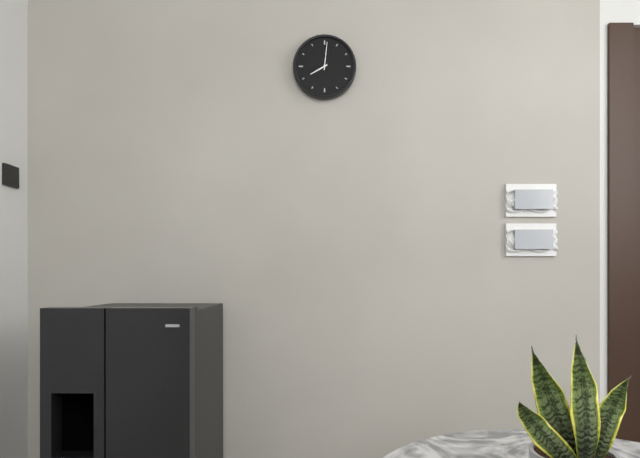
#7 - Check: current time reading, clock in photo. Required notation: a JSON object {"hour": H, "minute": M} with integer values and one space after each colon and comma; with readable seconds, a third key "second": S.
{"hour": 8, "minute": 1}
